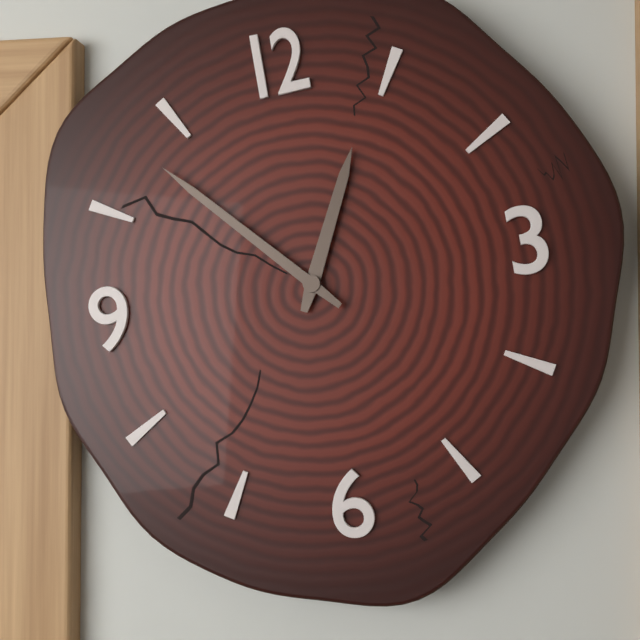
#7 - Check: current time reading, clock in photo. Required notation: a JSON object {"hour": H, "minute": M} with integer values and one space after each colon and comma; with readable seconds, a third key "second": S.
{"hour": 12, "minute": 53}
